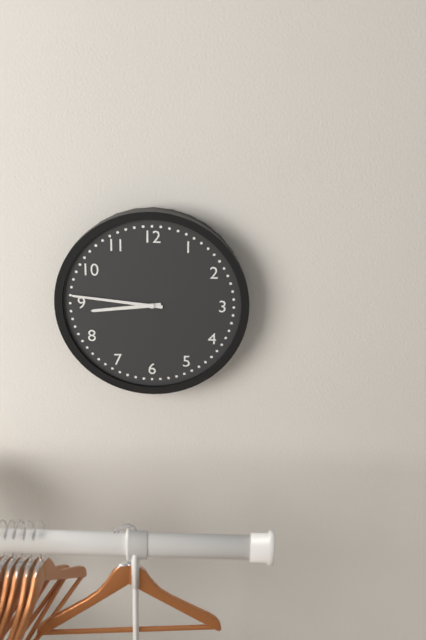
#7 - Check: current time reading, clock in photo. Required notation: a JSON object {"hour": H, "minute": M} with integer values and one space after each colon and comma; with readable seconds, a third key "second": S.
{"hour": 8, "minute": 46}
